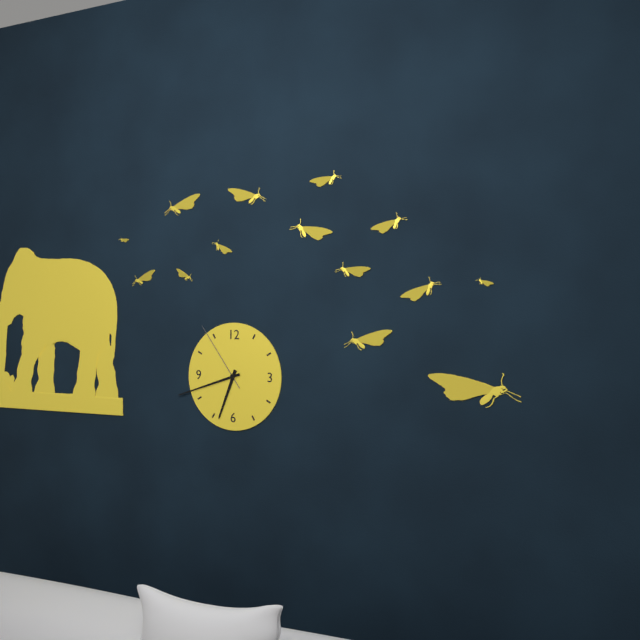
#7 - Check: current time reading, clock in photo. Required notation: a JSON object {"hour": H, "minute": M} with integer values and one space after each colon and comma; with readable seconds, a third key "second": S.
{"hour": 6, "minute": 42, "second": 54}
